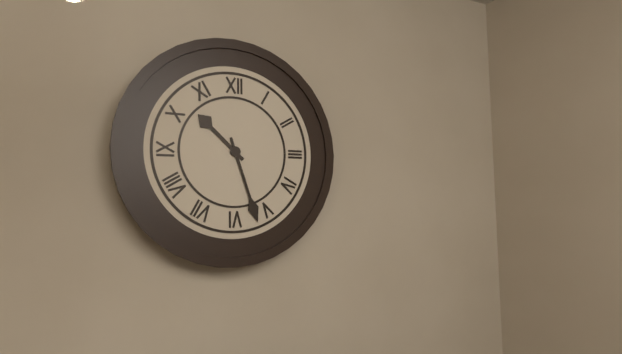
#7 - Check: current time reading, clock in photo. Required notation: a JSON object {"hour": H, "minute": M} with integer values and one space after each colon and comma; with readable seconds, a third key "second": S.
{"hour": 10, "minute": 27}
